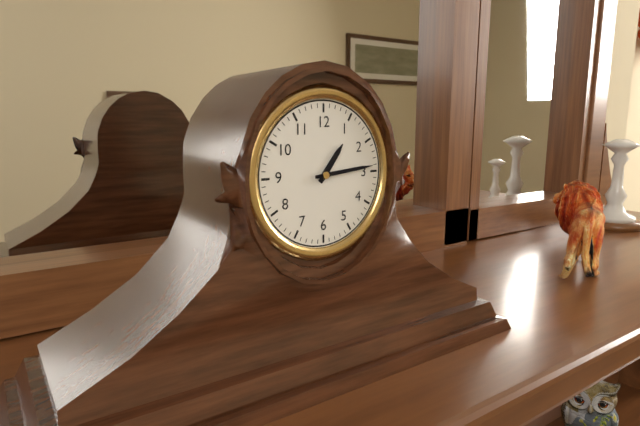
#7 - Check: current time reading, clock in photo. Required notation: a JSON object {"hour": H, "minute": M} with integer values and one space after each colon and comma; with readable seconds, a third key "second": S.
{"hour": 1, "minute": 14}
